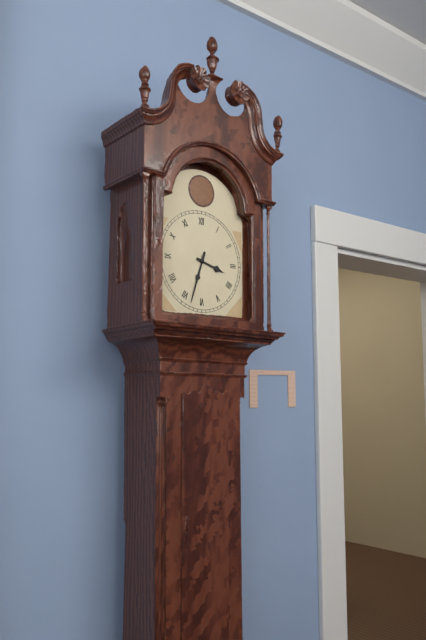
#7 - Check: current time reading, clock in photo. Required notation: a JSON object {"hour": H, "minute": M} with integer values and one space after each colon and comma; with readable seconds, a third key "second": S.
{"hour": 3, "minute": 33}
